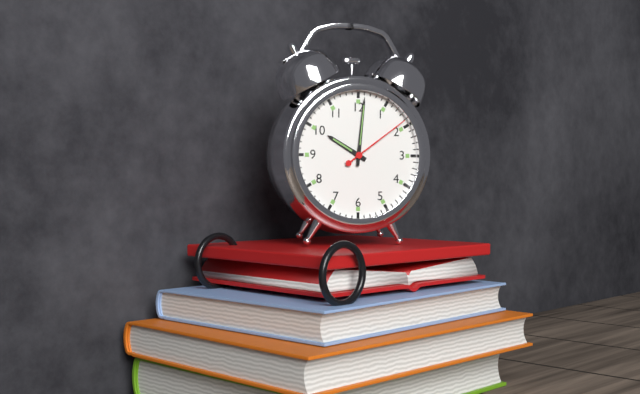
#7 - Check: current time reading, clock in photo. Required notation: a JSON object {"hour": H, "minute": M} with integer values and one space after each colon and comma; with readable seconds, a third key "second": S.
{"hour": 10, "minute": 1, "second": 9}
